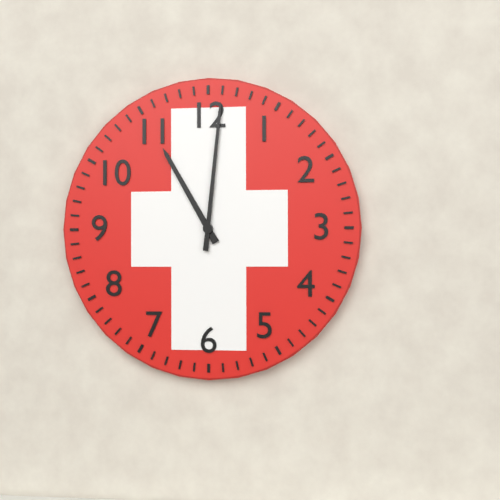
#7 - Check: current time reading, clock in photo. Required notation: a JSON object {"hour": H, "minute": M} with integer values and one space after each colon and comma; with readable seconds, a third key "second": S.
{"hour": 11, "minute": 1}
